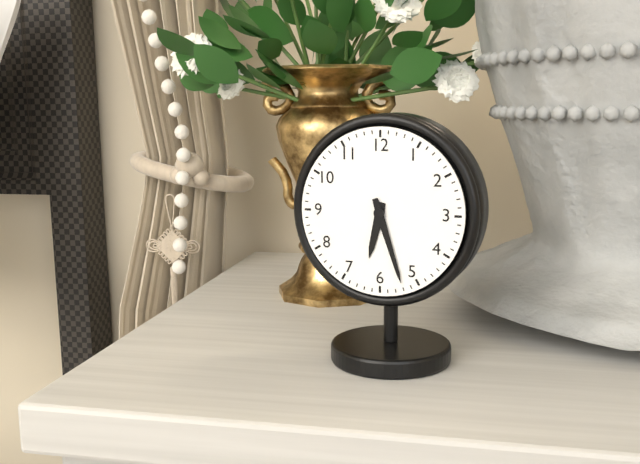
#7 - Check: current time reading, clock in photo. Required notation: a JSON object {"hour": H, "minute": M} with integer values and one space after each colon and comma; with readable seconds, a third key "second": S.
{"hour": 6, "minute": 27}
